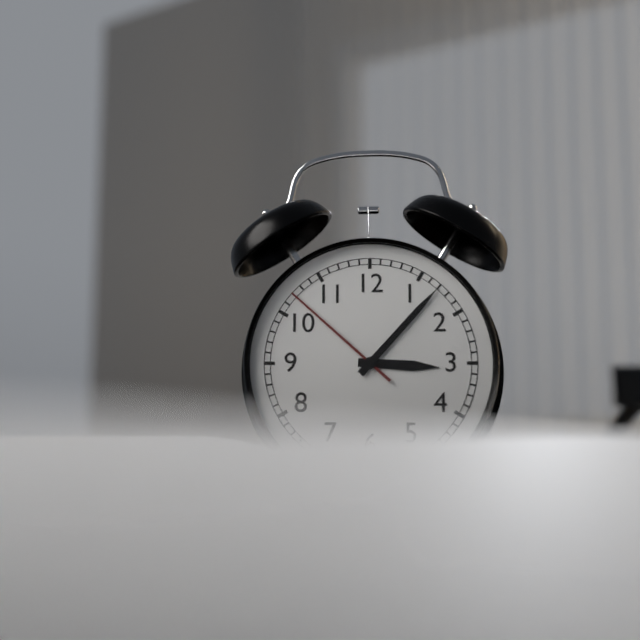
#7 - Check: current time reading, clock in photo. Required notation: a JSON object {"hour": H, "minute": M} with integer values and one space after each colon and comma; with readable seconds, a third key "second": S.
{"hour": 3, "minute": 7, "second": 52}
